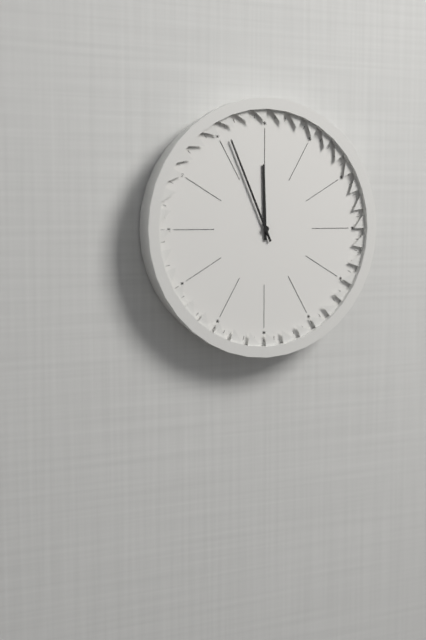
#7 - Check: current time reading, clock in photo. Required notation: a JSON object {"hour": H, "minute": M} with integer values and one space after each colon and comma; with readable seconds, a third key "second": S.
{"hour": 11, "minute": 56}
